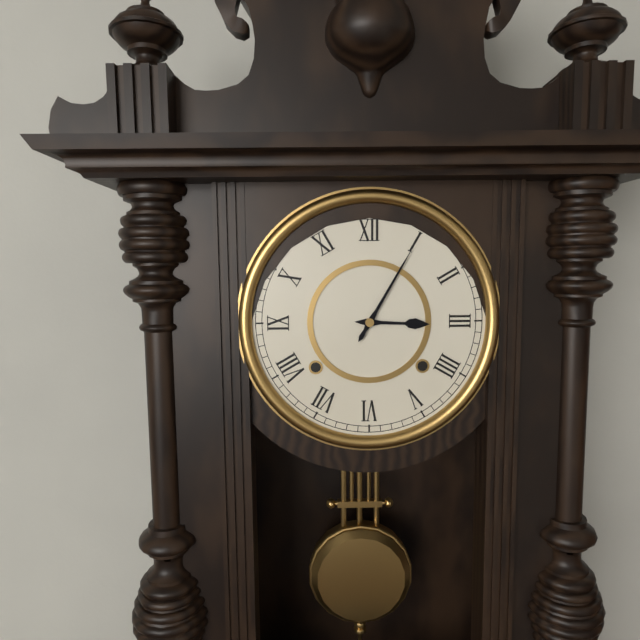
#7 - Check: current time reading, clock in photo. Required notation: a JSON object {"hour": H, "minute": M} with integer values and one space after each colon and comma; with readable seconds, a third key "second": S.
{"hour": 3, "minute": 5}
